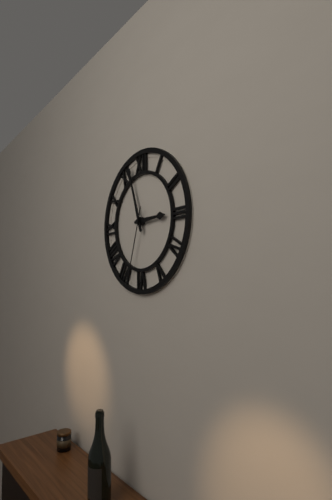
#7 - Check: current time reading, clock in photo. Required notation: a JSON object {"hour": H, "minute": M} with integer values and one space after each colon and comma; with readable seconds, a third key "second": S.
{"hour": 2, "minute": 57, "second": 33}
